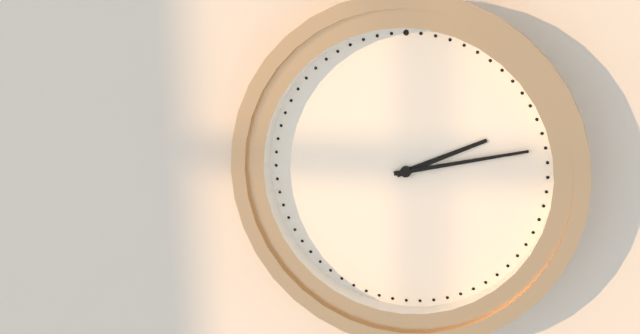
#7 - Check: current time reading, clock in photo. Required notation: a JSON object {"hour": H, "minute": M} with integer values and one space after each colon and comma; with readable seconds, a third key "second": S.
{"hour": 2, "minute": 13}
